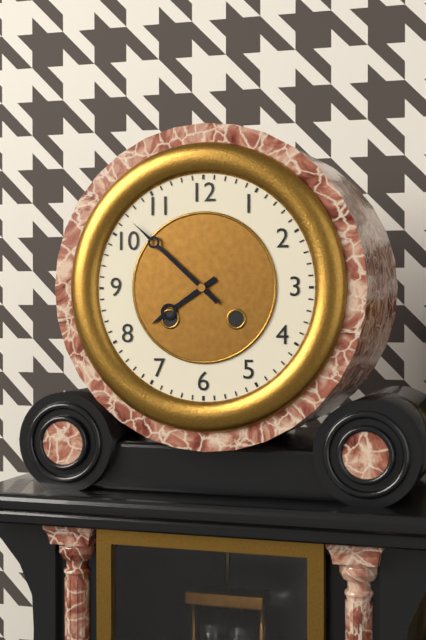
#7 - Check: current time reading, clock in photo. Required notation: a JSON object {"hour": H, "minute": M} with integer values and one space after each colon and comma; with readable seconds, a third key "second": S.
{"hour": 7, "minute": 52}
